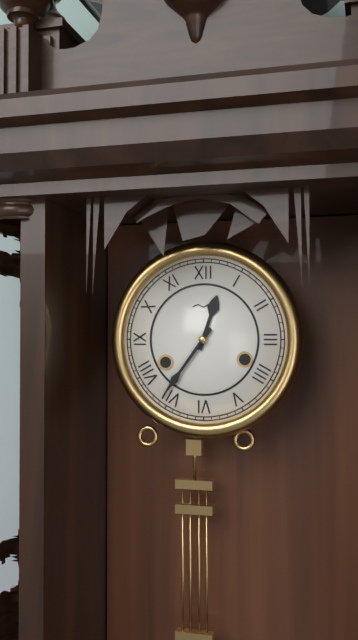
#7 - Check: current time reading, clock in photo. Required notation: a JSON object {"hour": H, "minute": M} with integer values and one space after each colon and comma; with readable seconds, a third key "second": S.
{"hour": 12, "minute": 36}
